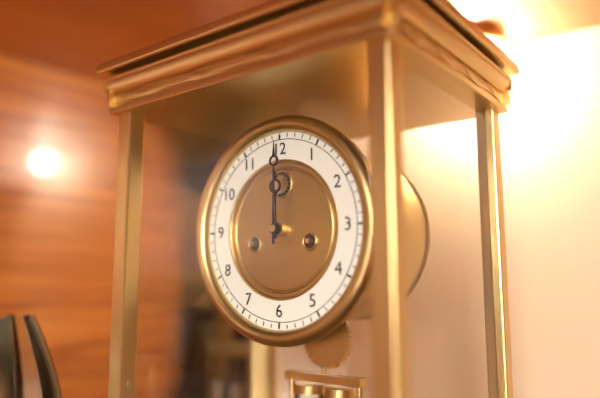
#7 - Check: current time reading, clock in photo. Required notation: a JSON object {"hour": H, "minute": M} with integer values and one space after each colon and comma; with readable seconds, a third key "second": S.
{"hour": 12, "minute": 0}
